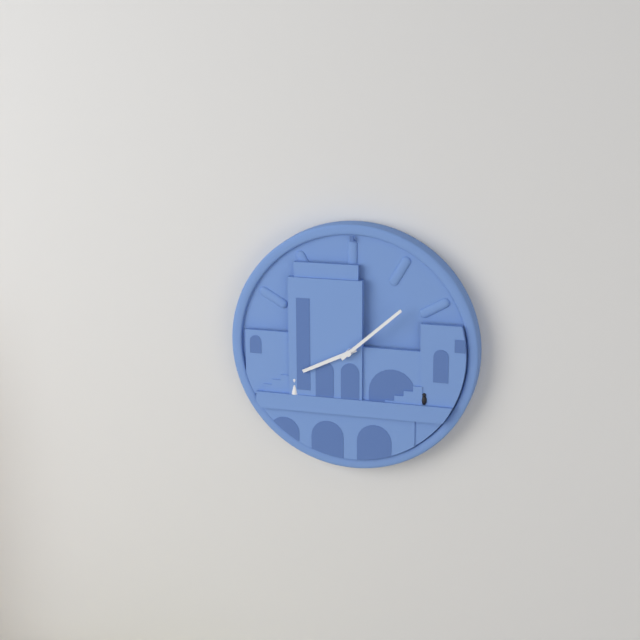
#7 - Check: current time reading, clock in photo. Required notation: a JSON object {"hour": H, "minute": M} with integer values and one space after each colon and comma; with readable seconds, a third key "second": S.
{"hour": 8, "minute": 8}
